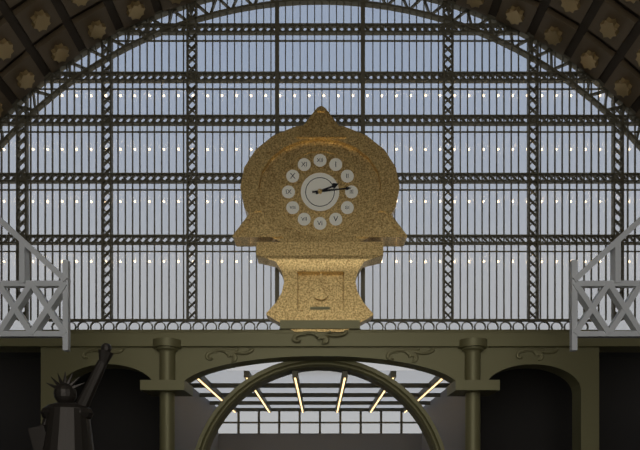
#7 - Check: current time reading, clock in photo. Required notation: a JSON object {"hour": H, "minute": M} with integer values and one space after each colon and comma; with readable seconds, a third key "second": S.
{"hour": 2, "minute": 14}
